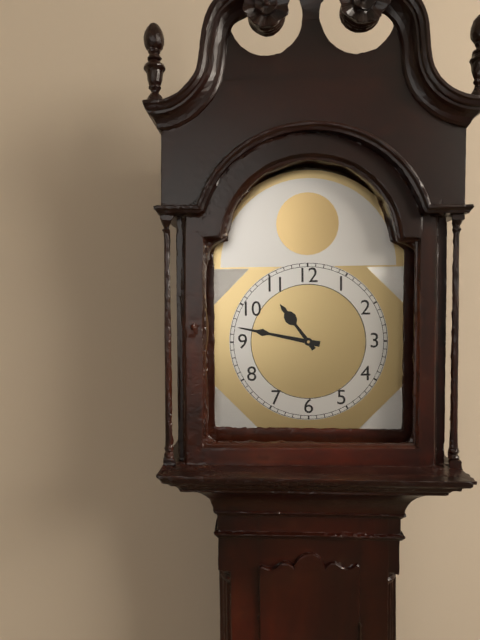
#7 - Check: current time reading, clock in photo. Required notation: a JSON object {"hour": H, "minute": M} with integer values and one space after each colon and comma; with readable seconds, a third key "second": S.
{"hour": 10, "minute": 47}
